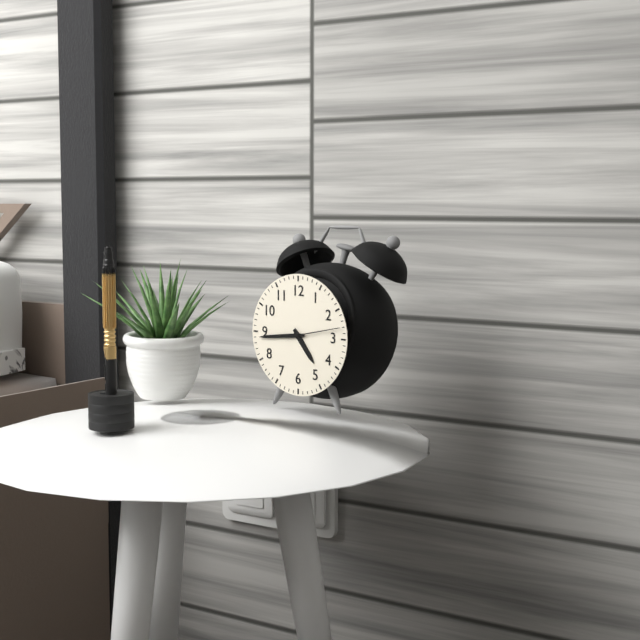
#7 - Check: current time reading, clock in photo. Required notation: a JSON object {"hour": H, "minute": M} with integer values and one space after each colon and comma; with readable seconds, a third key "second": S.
{"hour": 4, "minute": 44, "second": 13}
